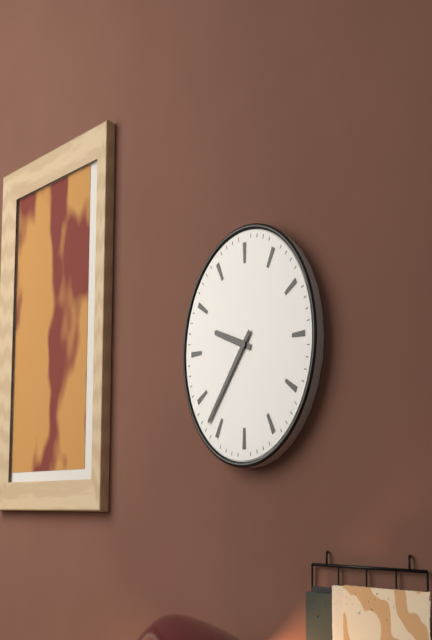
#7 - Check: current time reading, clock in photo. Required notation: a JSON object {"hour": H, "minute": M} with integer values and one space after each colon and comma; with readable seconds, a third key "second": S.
{"hour": 9, "minute": 37}
